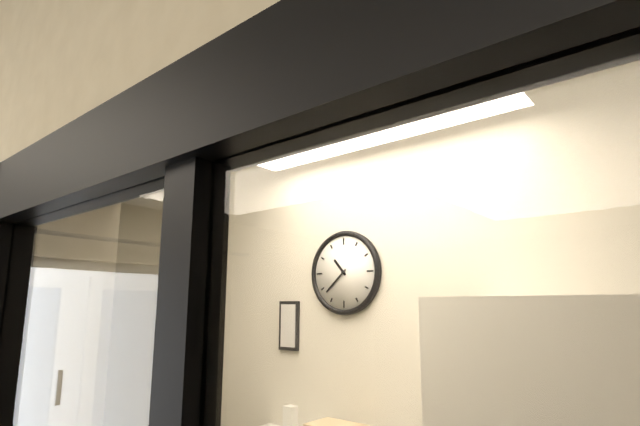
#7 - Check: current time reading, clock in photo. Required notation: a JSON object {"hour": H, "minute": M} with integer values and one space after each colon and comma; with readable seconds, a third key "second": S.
{"hour": 10, "minute": 38}
